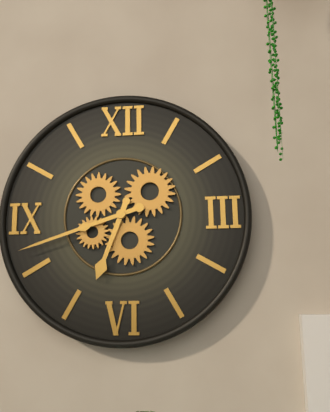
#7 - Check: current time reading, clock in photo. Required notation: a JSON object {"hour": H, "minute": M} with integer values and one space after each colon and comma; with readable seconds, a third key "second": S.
{"hour": 6, "minute": 42}
